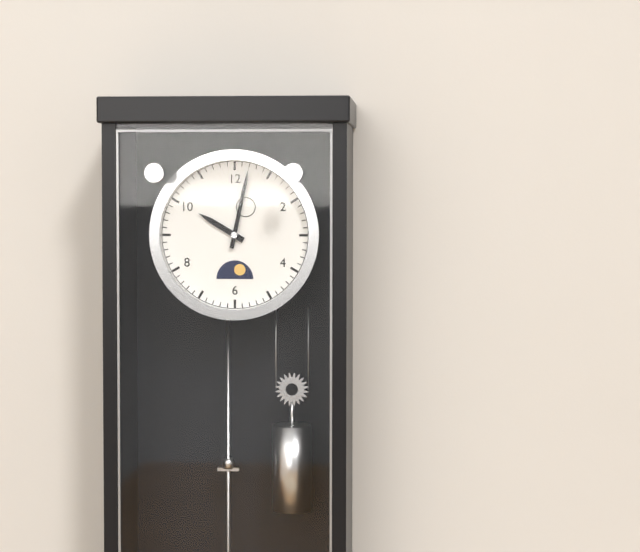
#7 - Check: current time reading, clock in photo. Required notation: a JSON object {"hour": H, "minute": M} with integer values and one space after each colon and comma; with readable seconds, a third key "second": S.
{"hour": 10, "minute": 2}
